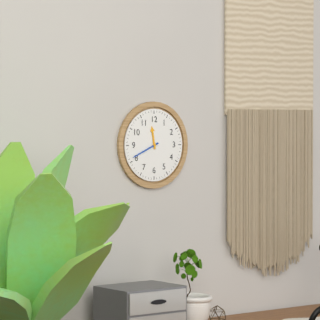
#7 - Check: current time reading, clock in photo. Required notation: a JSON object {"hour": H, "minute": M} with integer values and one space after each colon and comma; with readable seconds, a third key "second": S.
{"hour": 11, "minute": 41}
